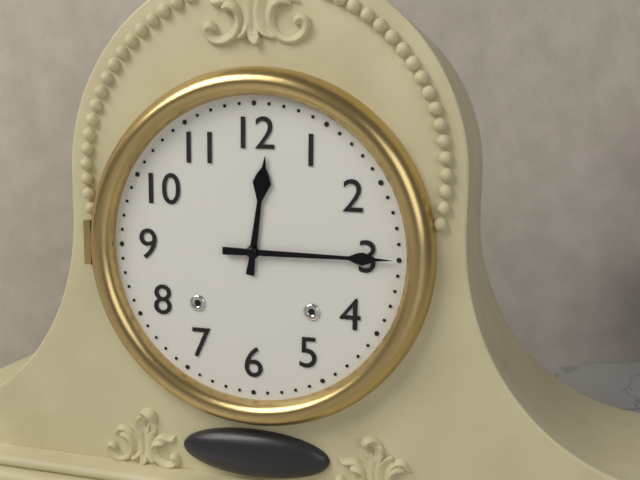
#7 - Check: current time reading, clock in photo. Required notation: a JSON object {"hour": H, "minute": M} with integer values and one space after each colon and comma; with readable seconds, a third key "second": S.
{"hour": 12, "minute": 15}
